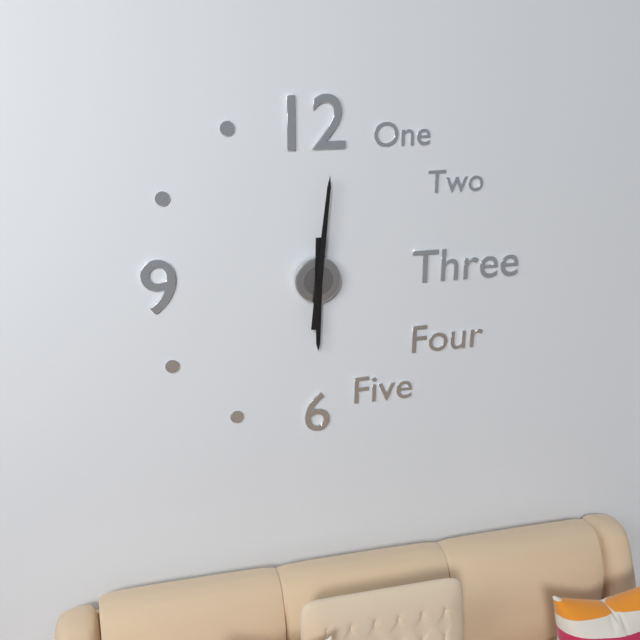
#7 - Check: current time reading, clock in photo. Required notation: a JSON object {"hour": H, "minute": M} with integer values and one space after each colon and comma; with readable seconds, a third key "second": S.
{"hour": 6, "minute": 1}
